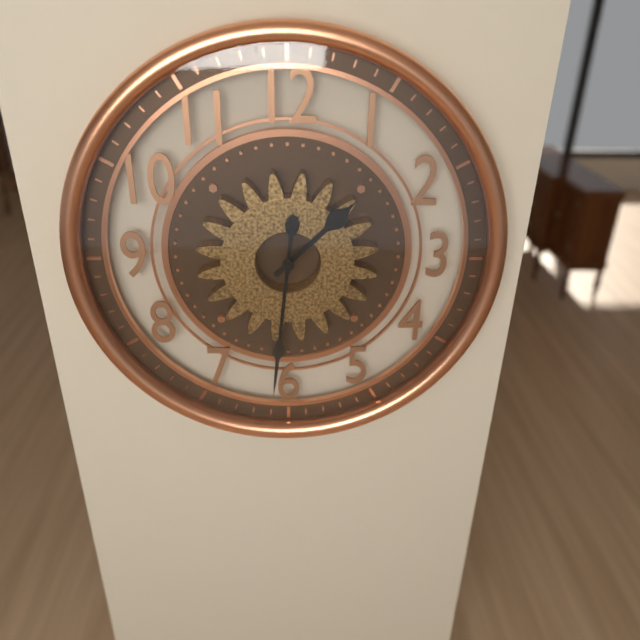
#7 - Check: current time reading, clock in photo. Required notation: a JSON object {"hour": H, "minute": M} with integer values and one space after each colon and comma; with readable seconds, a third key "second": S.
{"hour": 1, "minute": 31}
